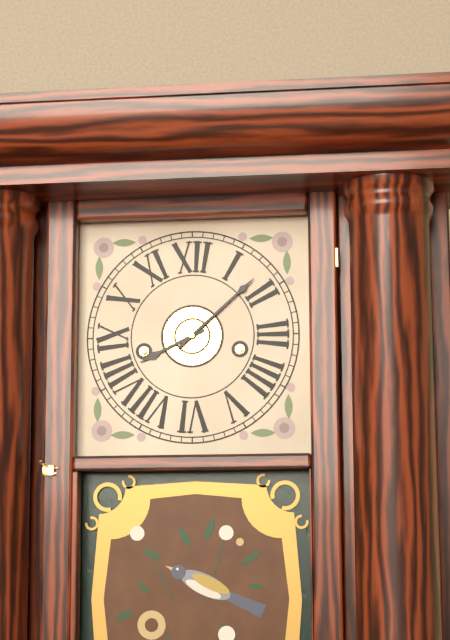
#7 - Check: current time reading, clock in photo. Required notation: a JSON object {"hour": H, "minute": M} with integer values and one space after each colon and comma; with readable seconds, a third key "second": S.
{"hour": 8, "minute": 8}
